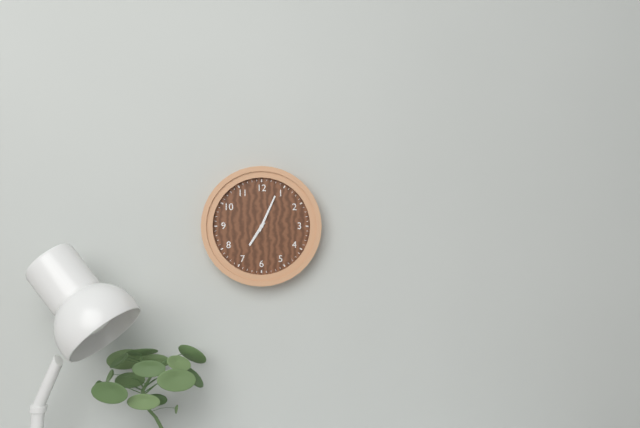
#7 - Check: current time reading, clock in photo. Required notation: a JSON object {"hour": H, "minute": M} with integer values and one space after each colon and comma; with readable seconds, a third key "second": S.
{"hour": 7, "minute": 4}
